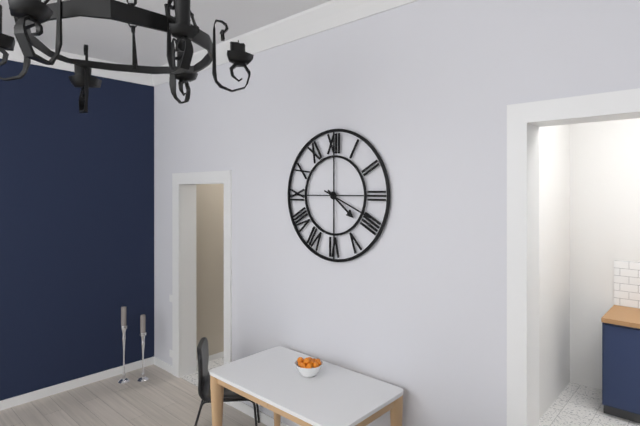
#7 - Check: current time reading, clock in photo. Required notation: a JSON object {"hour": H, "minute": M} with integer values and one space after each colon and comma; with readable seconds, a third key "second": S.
{"hour": 4, "minute": 19}
